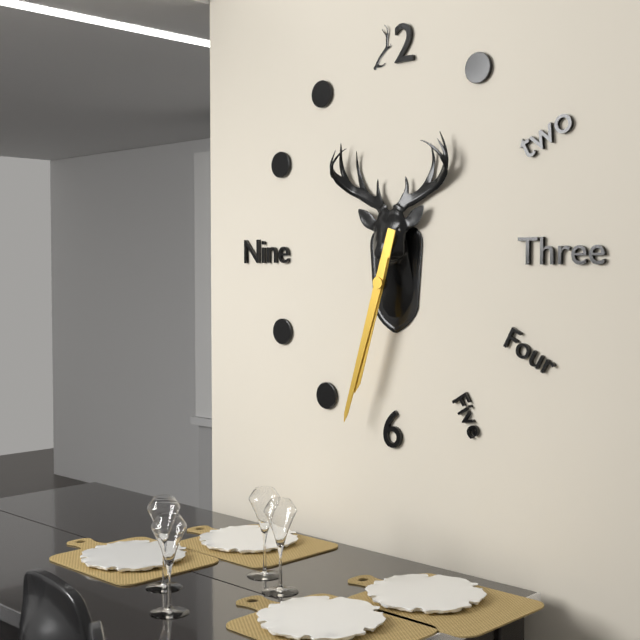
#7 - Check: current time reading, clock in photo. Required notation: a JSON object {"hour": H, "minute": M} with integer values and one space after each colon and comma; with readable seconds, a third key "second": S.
{"hour": 6, "minute": 33}
